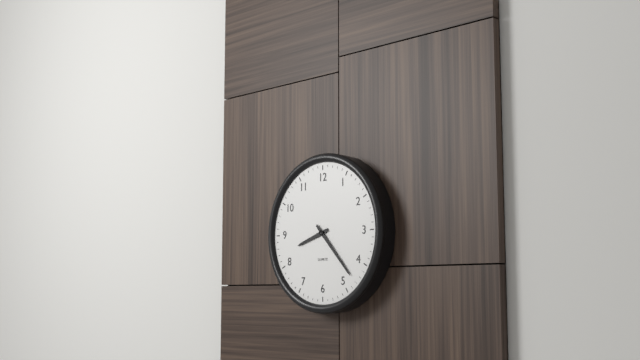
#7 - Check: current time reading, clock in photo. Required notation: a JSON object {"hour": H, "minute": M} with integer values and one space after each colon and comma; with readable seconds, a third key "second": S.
{"hour": 8, "minute": 23}
